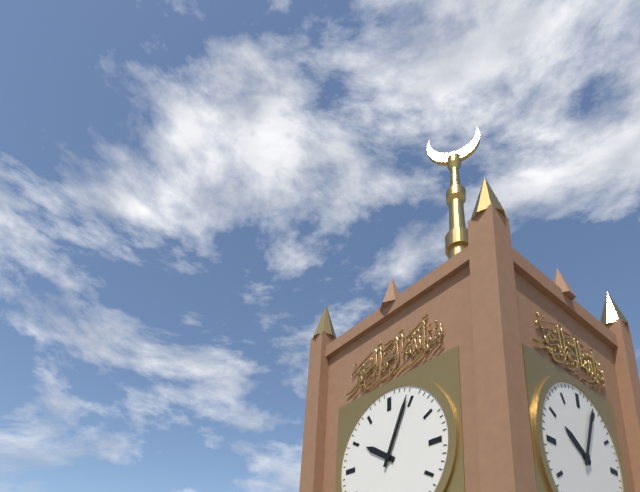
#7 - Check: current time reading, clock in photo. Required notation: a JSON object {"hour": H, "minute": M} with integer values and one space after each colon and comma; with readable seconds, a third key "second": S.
{"hour": 10, "minute": 4}
